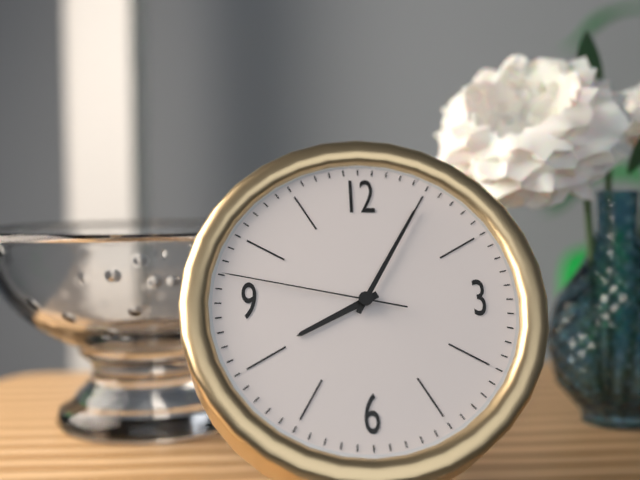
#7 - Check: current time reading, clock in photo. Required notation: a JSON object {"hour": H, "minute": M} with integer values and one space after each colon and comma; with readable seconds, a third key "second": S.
{"hour": 8, "minute": 5, "second": 47}
